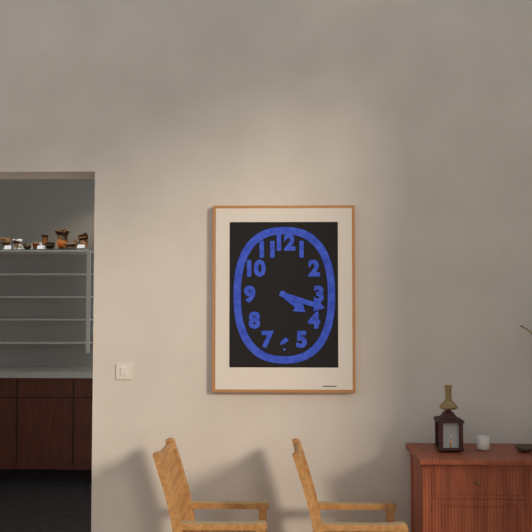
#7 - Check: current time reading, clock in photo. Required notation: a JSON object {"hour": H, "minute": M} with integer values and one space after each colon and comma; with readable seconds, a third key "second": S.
{"hour": 4, "minute": 18}
